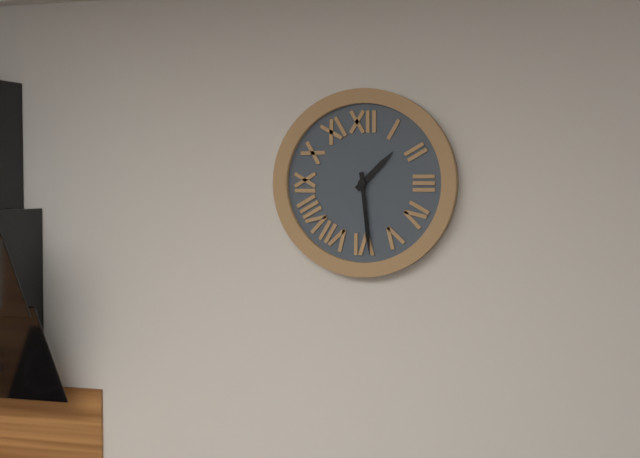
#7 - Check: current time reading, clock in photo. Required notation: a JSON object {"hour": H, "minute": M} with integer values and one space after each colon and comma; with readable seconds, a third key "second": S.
{"hour": 1, "minute": 29}
